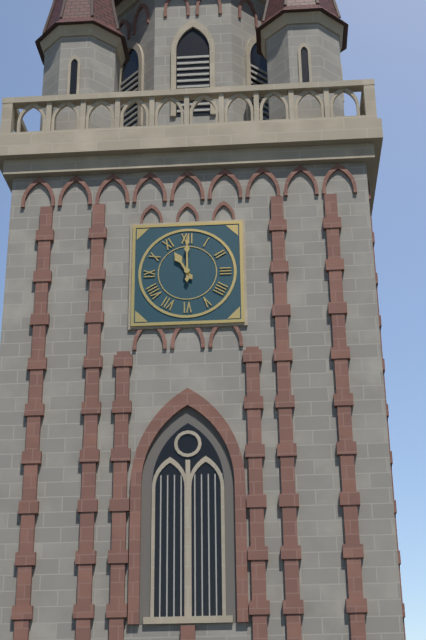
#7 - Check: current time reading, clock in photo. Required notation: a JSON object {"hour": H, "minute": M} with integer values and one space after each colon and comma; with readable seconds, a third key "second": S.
{"hour": 11, "minute": 0}
